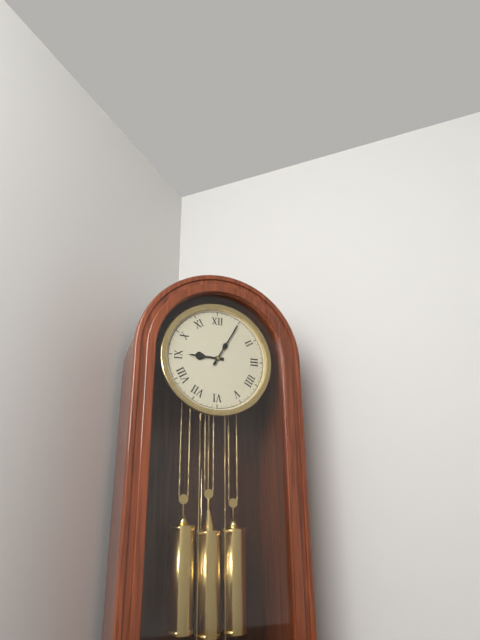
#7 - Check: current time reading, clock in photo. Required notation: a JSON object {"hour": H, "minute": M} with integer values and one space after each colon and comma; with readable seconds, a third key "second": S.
{"hour": 9, "minute": 5}
